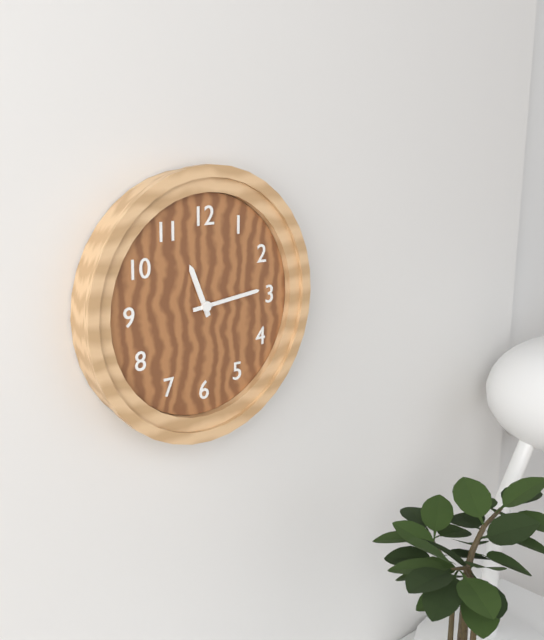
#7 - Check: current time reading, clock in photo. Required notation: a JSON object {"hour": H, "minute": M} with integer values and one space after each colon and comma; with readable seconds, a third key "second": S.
{"hour": 11, "minute": 14}
